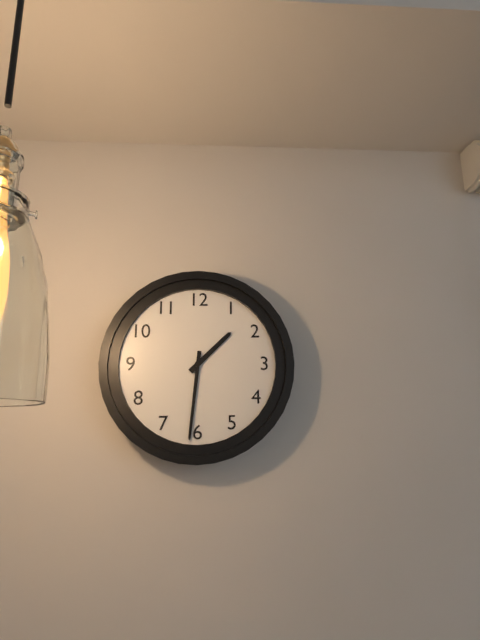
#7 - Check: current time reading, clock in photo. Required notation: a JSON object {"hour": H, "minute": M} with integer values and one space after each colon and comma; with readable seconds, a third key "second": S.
{"hour": 1, "minute": 31}
